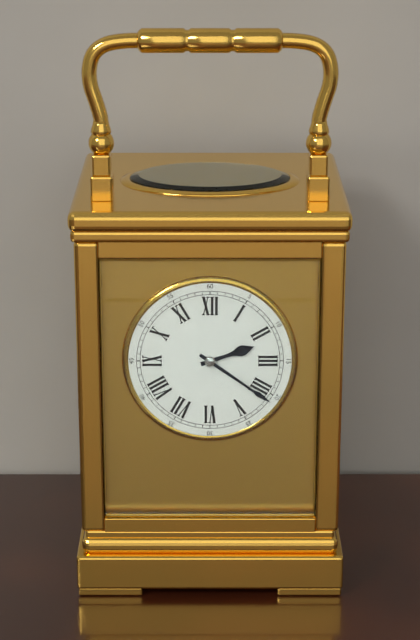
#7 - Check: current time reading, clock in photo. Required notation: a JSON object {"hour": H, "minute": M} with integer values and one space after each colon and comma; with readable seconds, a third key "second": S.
{"hour": 2, "minute": 21}
